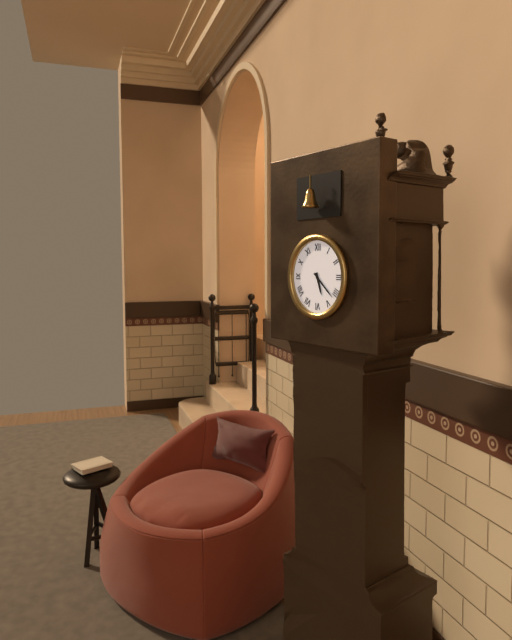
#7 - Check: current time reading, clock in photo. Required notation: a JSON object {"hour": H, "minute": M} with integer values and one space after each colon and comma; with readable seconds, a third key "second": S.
{"hour": 5, "minute": 22}
